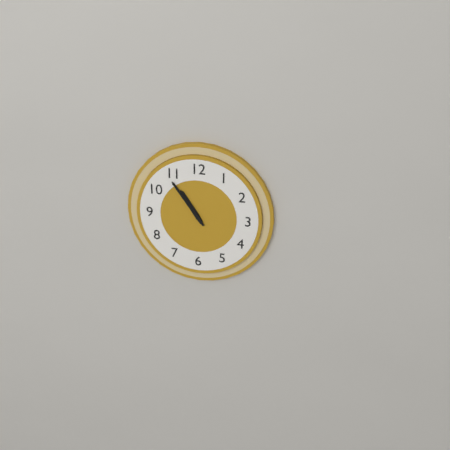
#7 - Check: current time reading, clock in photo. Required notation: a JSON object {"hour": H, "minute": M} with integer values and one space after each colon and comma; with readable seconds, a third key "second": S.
{"hour": 10, "minute": 54}
